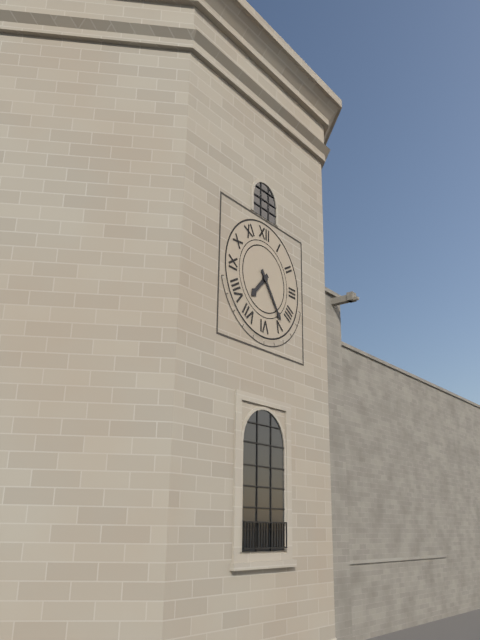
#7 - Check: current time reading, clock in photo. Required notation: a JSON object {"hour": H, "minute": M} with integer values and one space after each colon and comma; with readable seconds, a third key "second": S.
{"hour": 7, "minute": 24}
